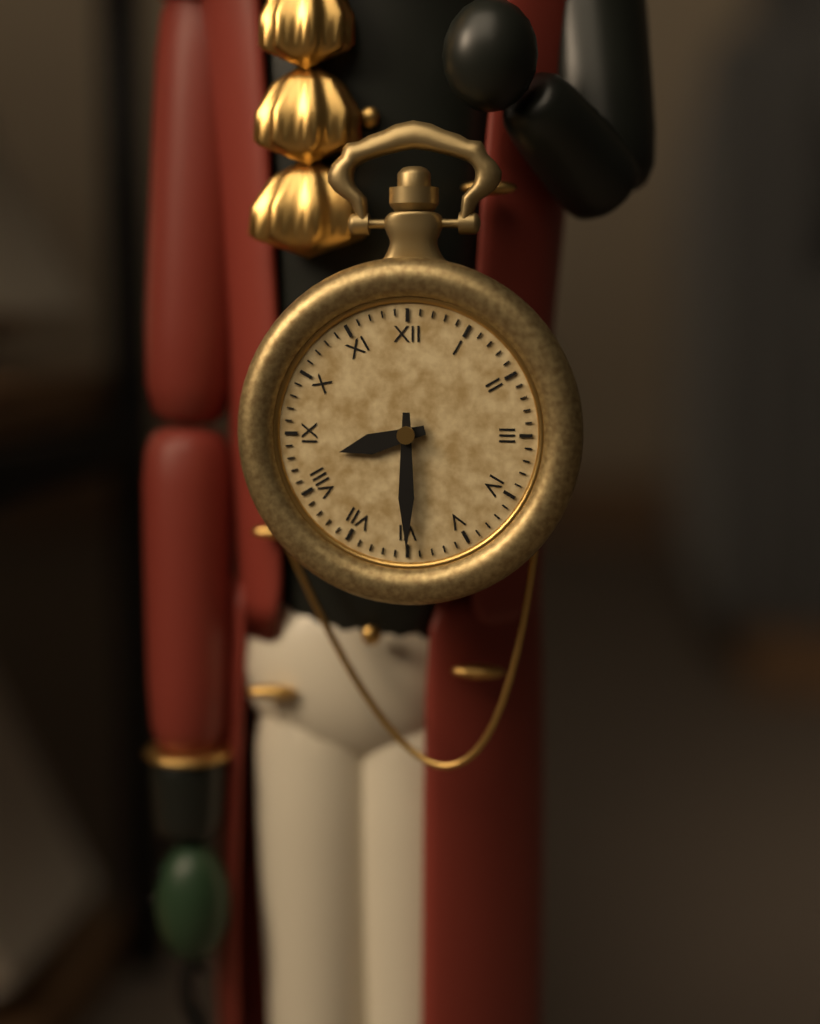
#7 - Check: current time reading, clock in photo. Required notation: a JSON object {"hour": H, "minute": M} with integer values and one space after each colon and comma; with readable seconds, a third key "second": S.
{"hour": 8, "minute": 30}
